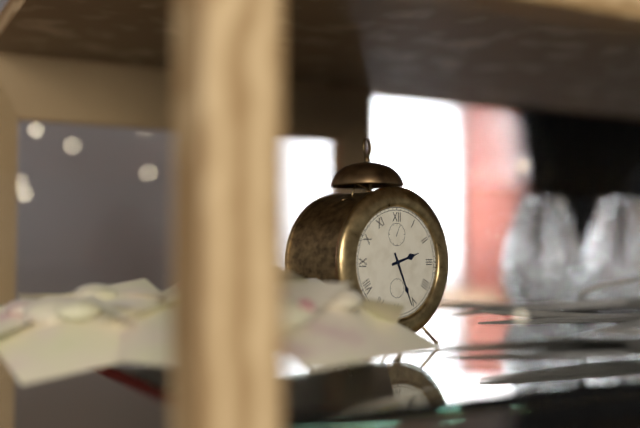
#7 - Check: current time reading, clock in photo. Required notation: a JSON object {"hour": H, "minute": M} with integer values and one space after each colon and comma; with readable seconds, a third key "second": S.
{"hour": 2, "minute": 26}
